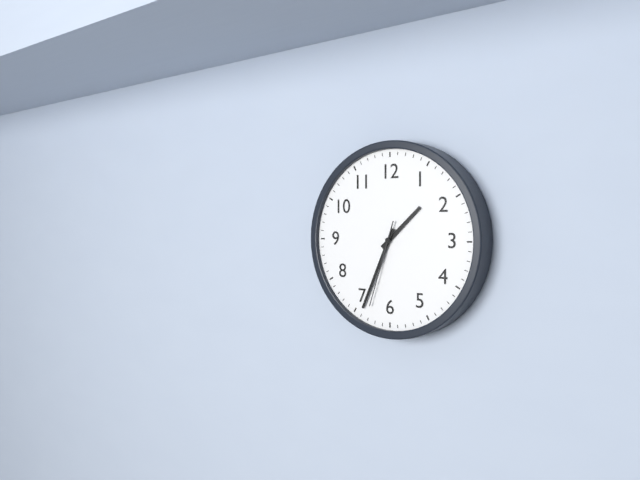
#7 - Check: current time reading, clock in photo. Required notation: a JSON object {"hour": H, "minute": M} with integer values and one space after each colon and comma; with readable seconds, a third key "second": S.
{"hour": 1, "minute": 34, "second": 33}
